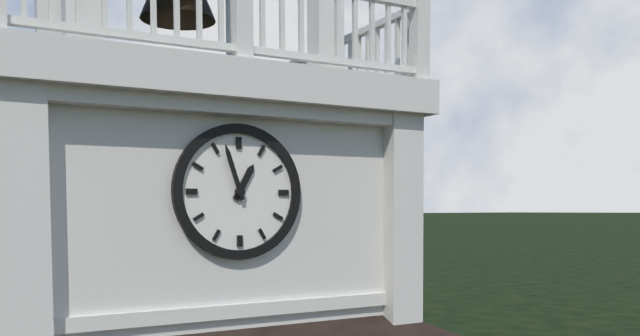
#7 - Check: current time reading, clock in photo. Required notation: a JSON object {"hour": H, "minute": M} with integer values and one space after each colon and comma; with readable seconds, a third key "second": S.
{"hour": 12, "minute": 57}
